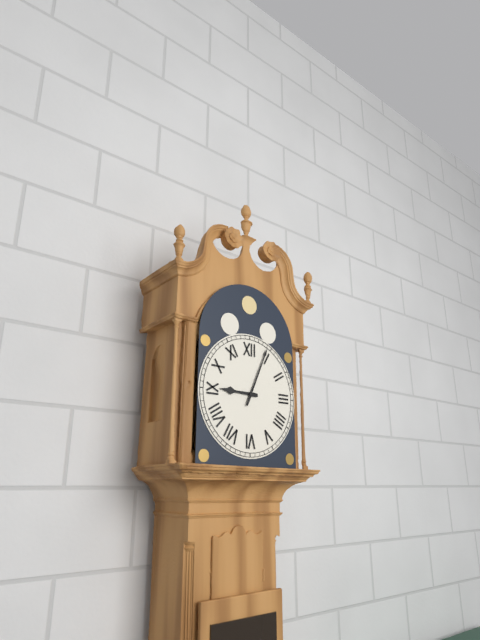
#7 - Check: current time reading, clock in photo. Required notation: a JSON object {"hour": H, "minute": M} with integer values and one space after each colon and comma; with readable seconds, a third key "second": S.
{"hour": 9, "minute": 4}
